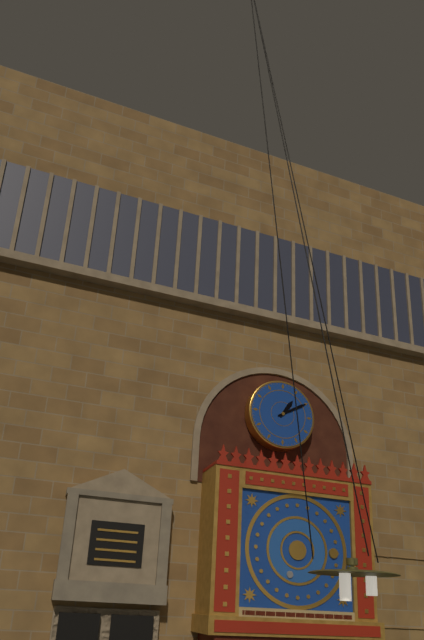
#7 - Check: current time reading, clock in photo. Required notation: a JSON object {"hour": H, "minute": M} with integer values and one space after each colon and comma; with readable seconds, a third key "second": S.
{"hour": 1, "minute": 10}
